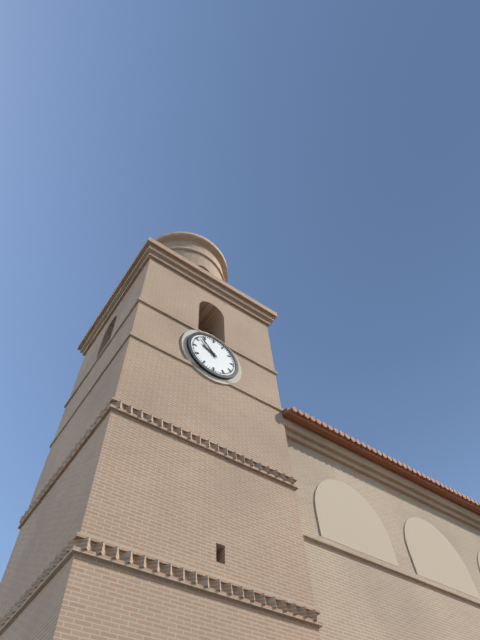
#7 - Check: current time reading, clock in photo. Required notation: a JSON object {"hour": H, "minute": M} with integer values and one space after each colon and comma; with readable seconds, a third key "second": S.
{"hour": 9, "minute": 53}
